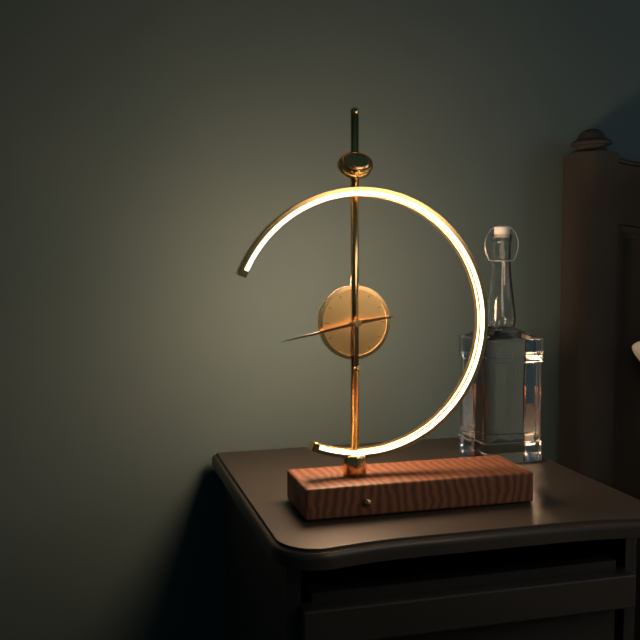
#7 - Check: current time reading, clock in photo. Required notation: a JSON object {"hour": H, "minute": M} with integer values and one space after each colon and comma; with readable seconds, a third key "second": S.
{"hour": 2, "minute": 43}
